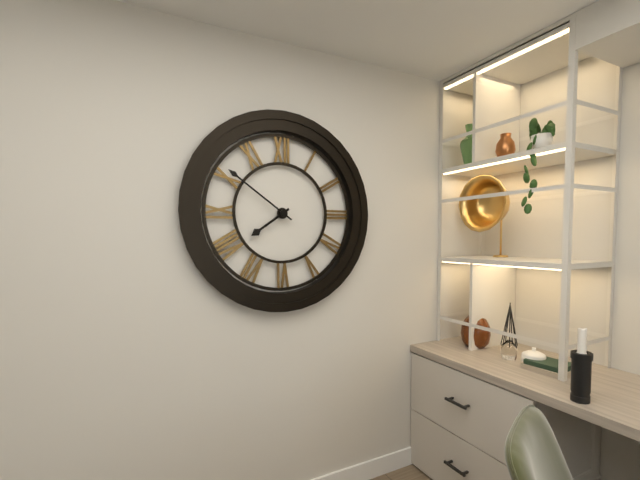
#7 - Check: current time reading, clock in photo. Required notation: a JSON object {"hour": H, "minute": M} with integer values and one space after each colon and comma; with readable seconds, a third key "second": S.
{"hour": 7, "minute": 51}
